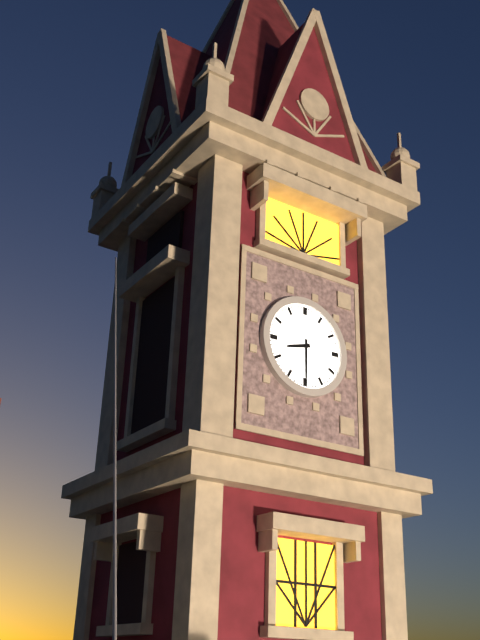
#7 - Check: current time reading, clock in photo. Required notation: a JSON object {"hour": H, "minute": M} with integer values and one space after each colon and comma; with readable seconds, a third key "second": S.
{"hour": 8, "minute": 30}
